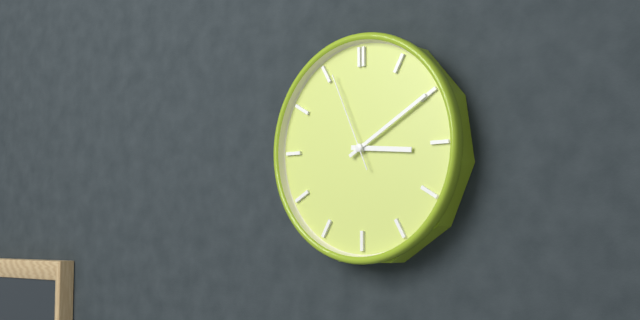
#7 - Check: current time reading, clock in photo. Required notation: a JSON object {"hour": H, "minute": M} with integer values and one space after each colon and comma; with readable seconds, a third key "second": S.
{"hour": 3, "minute": 10, "second": 56}
